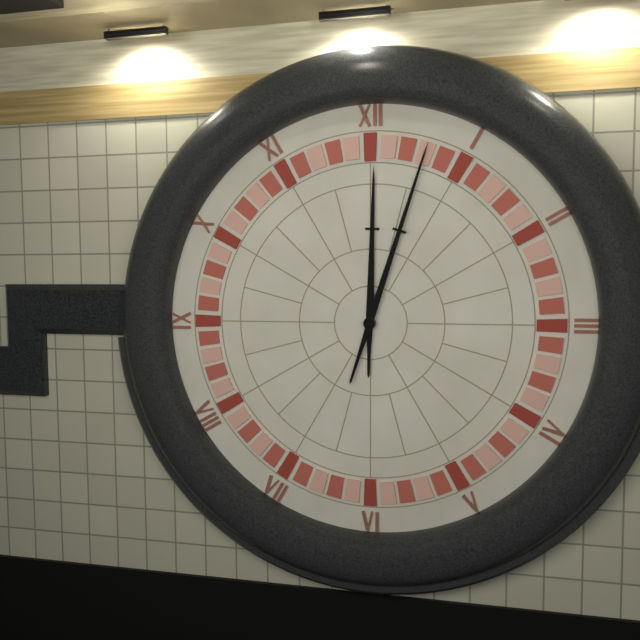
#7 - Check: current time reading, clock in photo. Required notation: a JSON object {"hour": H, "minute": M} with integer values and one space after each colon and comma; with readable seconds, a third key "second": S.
{"hour": 12, "minute": 3}
